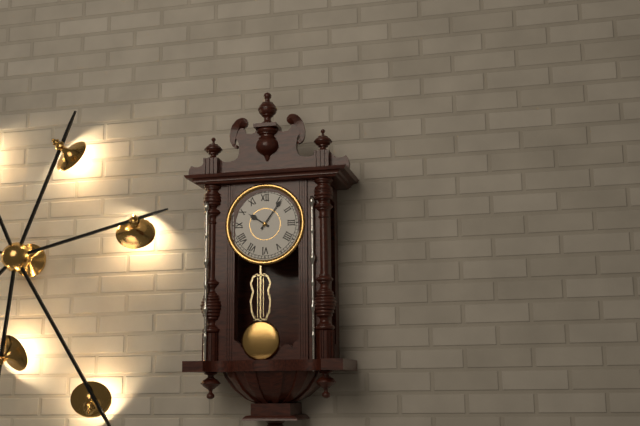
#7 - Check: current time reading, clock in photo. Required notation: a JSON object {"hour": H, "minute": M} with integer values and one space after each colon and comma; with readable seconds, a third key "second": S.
{"hour": 10, "minute": 6}
